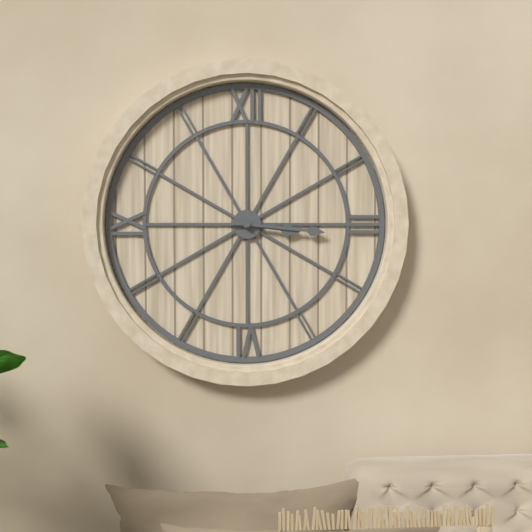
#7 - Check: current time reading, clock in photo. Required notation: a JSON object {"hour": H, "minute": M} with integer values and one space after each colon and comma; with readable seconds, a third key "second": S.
{"hour": 3, "minute": 16}
